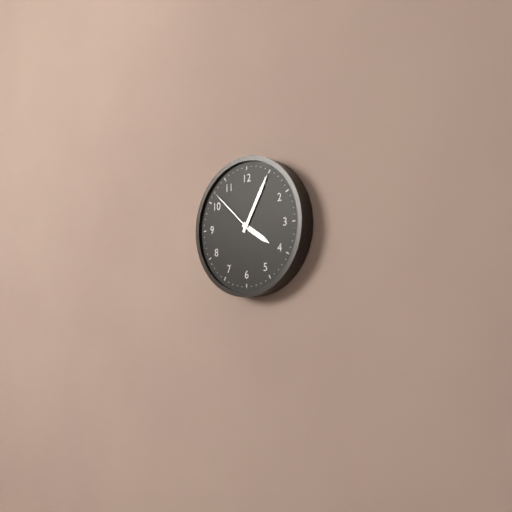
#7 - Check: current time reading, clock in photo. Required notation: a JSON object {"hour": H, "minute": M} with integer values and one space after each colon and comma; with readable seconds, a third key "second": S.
{"hour": 4, "minute": 5, "second": 52}
